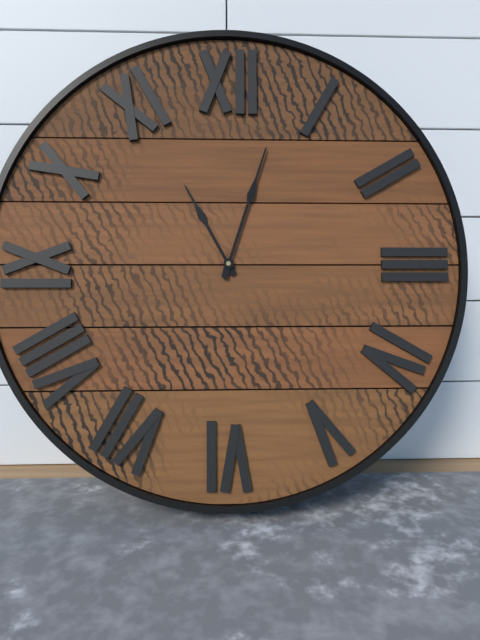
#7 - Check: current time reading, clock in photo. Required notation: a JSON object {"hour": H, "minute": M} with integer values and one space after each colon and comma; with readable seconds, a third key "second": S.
{"hour": 11, "minute": 3}
